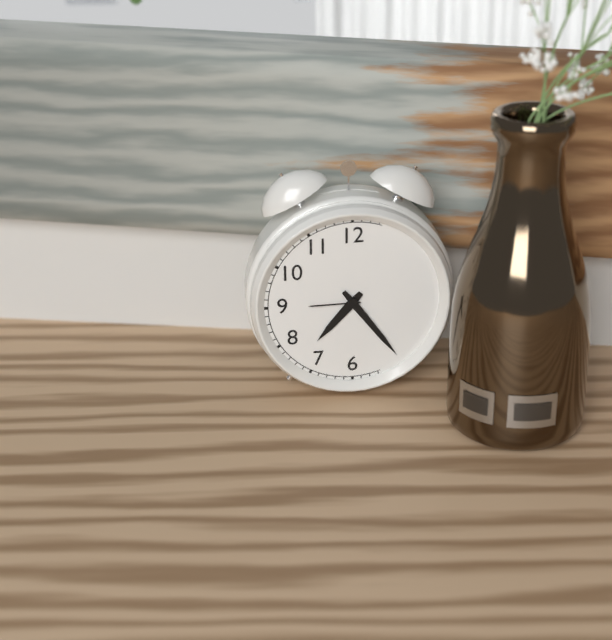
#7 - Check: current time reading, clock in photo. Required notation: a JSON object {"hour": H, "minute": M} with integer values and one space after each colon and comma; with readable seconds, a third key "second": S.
{"hour": 7, "minute": 24}
